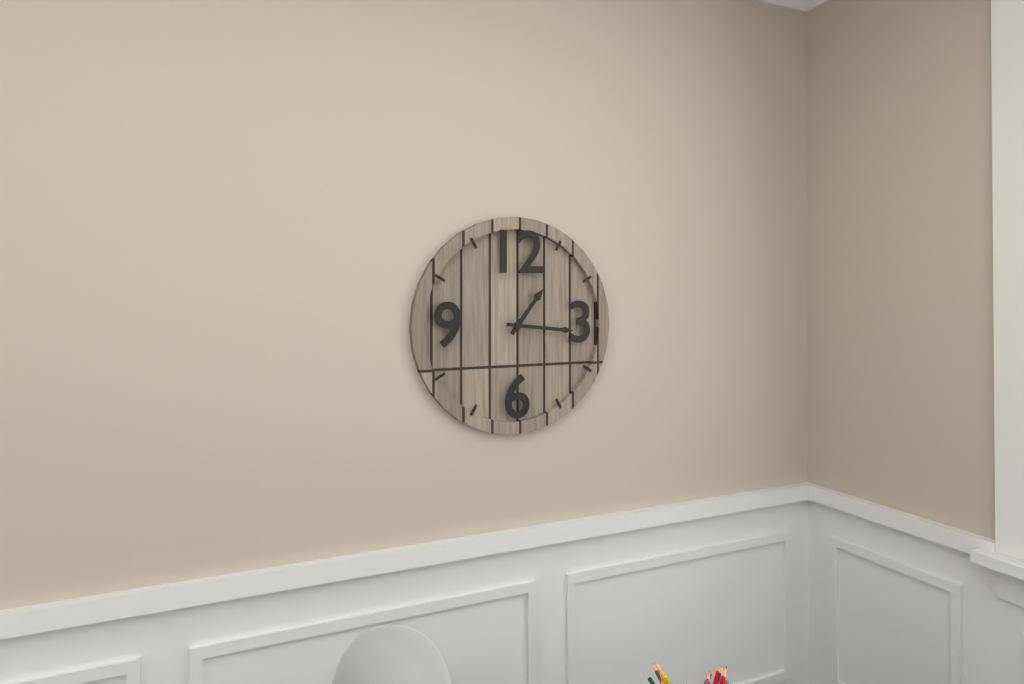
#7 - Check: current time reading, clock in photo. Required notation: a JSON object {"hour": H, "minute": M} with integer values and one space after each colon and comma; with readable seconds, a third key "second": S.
{"hour": 1, "minute": 16}
